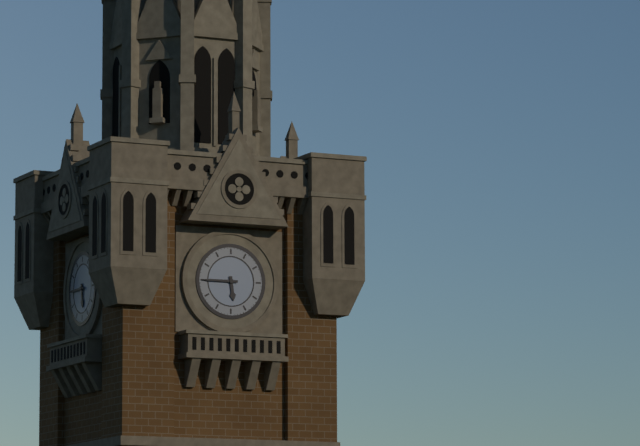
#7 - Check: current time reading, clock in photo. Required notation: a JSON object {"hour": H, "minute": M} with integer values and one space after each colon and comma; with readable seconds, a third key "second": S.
{"hour": 5, "minute": 45}
